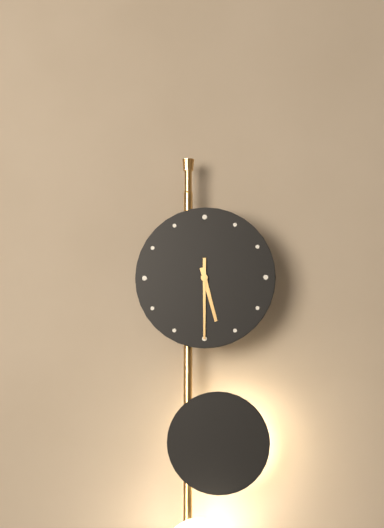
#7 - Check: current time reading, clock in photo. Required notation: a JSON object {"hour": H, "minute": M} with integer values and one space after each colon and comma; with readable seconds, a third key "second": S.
{"hour": 5, "minute": 30}
